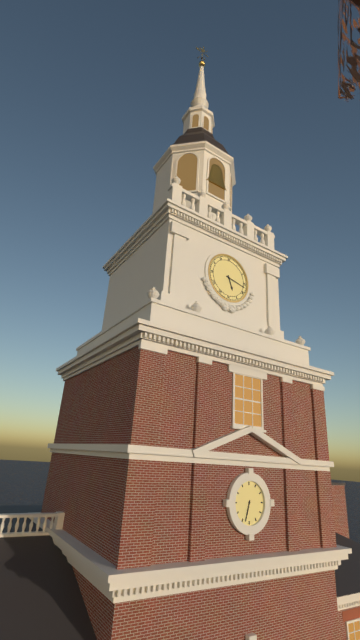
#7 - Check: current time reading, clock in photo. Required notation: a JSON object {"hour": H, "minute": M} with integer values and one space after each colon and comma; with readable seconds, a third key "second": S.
{"hour": 5, "minute": 17}
